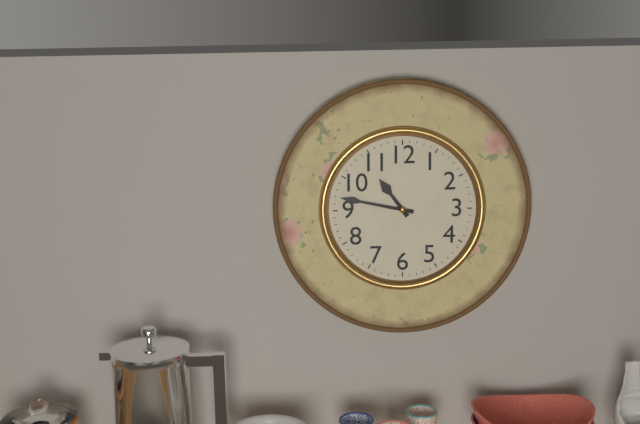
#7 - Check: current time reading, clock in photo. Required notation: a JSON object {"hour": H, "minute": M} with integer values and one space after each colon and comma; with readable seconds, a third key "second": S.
{"hour": 10, "minute": 47}
